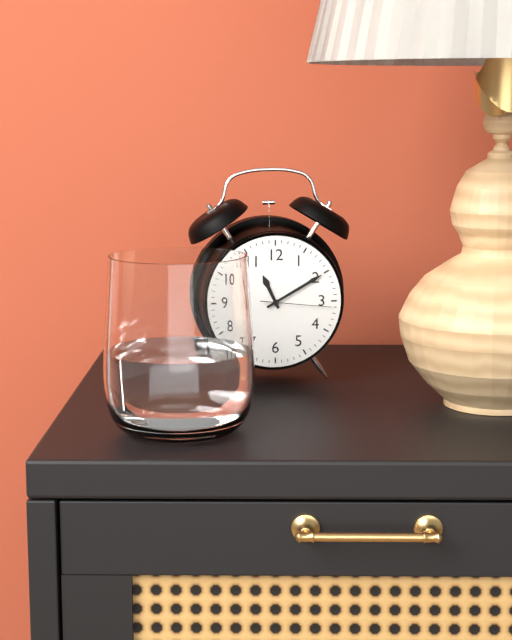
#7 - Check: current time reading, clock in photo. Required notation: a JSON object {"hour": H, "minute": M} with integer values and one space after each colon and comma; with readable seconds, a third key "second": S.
{"hour": 11, "minute": 10, "second": 16}
